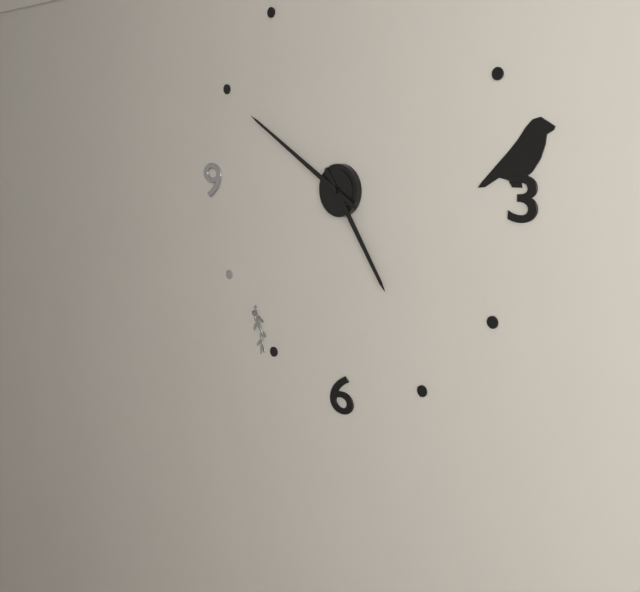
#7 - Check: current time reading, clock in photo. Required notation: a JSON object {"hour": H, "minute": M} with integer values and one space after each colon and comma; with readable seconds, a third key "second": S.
{"hour": 4, "minute": 50}
